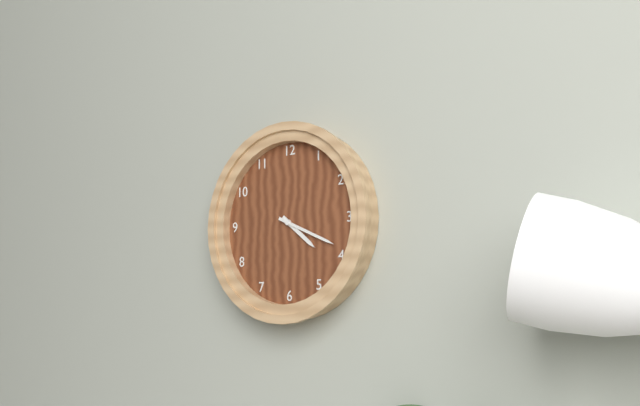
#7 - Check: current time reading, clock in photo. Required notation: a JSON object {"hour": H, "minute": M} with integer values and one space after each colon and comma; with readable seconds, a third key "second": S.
{"hour": 4, "minute": 19}
